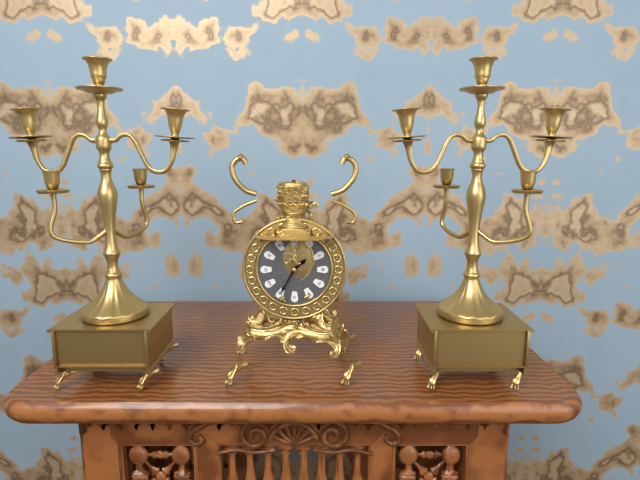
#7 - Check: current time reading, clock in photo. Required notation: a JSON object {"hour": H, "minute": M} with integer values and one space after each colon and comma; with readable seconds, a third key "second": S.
{"hour": 1, "minute": 35}
